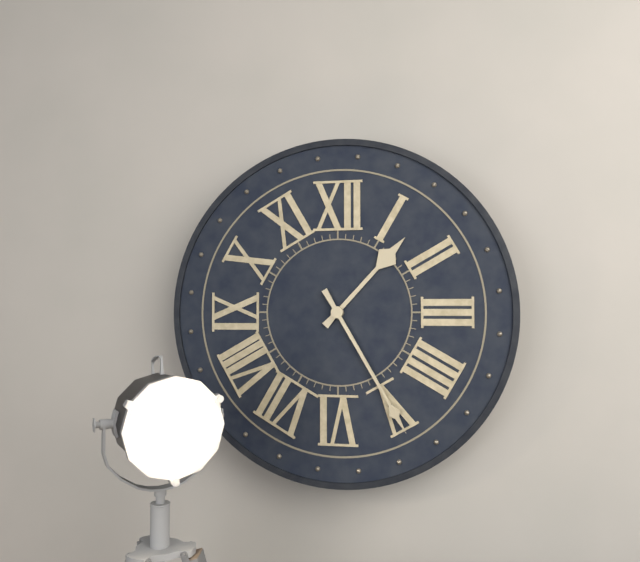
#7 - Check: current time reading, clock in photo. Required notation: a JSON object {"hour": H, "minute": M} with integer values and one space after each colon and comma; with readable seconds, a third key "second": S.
{"hour": 1, "minute": 25}
